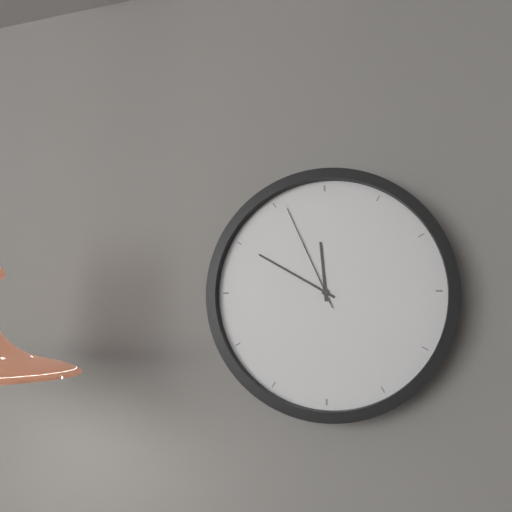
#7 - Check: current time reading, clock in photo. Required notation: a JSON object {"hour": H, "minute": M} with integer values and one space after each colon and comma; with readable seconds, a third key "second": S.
{"hour": 11, "minute": 50, "second": 56}
